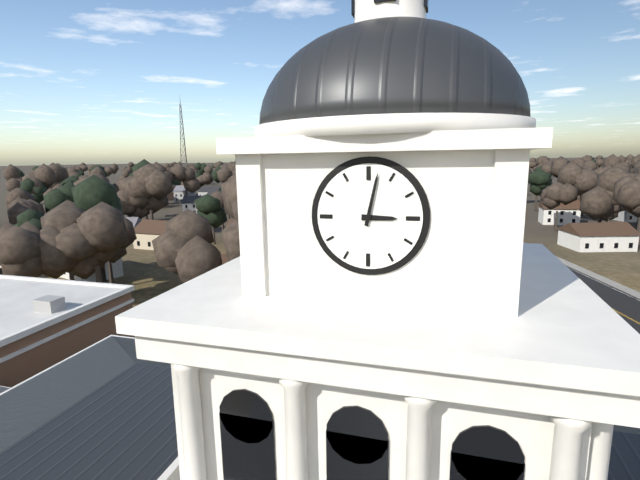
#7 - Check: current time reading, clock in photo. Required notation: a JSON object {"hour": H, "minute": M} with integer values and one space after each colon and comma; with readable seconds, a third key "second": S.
{"hour": 3, "minute": 2}
